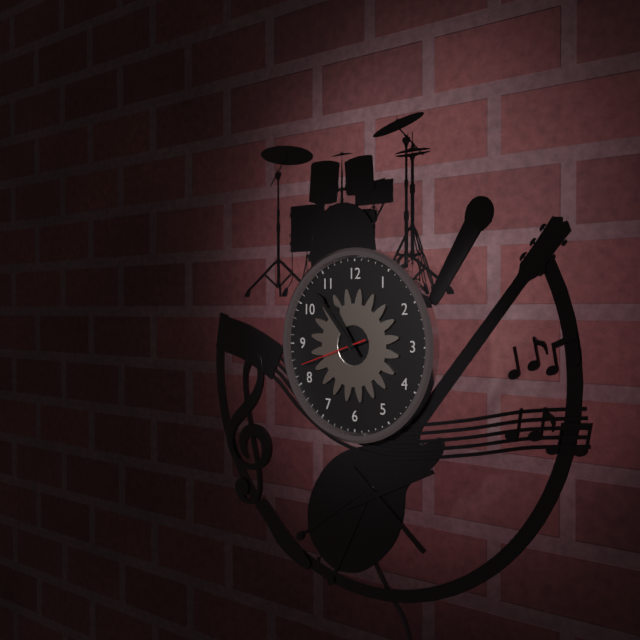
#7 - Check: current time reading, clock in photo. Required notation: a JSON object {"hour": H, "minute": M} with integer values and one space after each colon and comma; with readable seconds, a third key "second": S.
{"hour": 10, "minute": 53, "second": 42}
